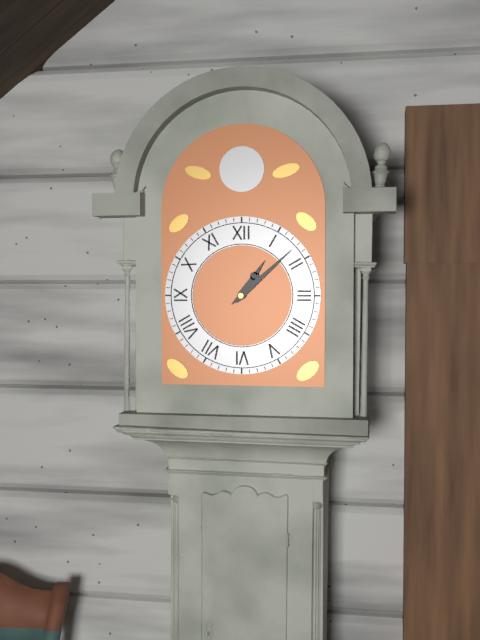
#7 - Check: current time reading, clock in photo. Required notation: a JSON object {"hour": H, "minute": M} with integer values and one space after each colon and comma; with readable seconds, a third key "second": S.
{"hour": 1, "minute": 8}
